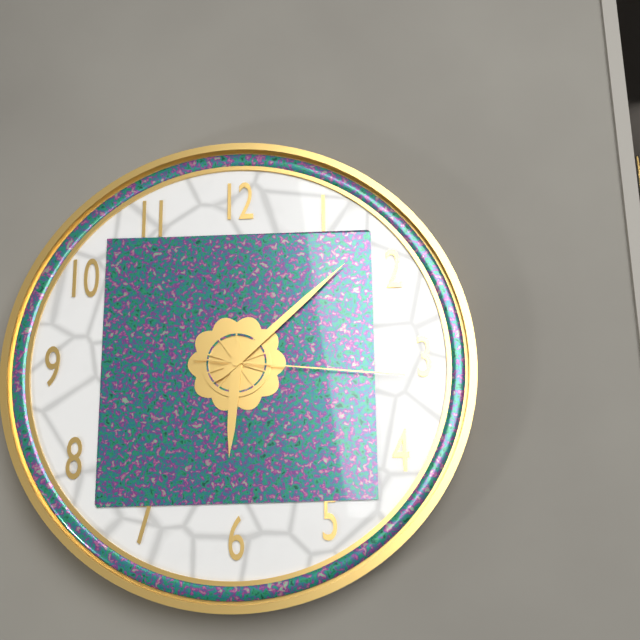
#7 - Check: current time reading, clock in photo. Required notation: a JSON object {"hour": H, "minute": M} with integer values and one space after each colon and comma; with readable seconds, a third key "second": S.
{"hour": 6, "minute": 8, "second": 16}
